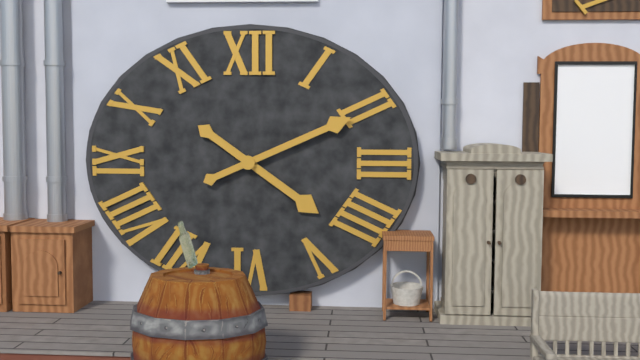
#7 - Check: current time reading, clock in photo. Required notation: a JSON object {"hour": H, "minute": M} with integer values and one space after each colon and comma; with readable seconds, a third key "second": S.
{"hour": 4, "minute": 11}
